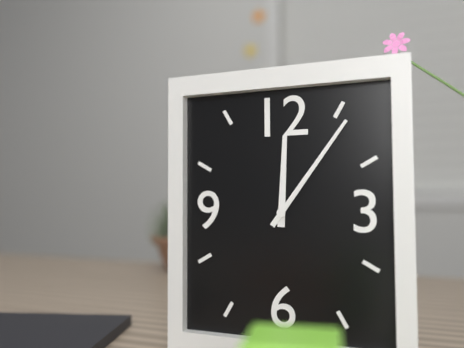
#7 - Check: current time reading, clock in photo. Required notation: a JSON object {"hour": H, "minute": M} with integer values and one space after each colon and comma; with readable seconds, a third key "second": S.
{"hour": 12, "minute": 6}
